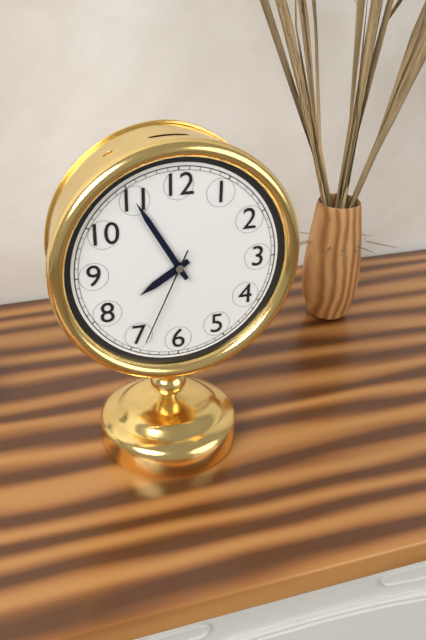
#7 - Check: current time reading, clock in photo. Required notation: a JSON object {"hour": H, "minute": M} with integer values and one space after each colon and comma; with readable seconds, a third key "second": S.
{"hour": 7, "minute": 55, "second": 34}
